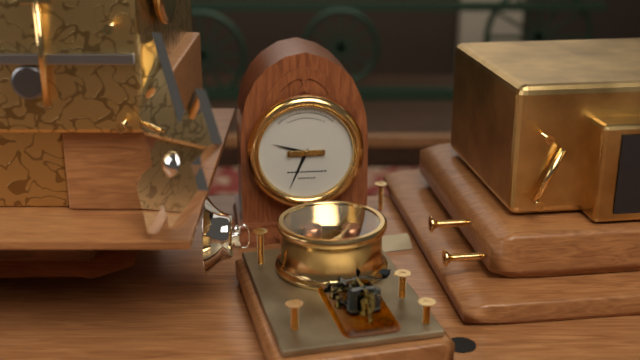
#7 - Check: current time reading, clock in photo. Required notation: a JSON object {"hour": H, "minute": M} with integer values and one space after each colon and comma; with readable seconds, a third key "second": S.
{"hour": 9, "minute": 34}
